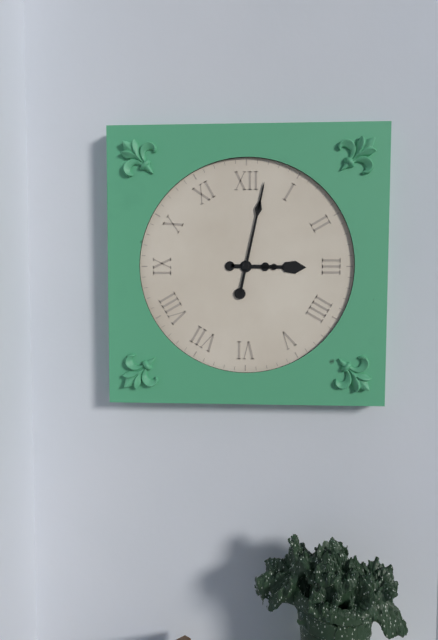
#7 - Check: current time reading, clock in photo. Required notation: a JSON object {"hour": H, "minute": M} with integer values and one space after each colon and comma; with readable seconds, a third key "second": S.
{"hour": 3, "minute": 2}
